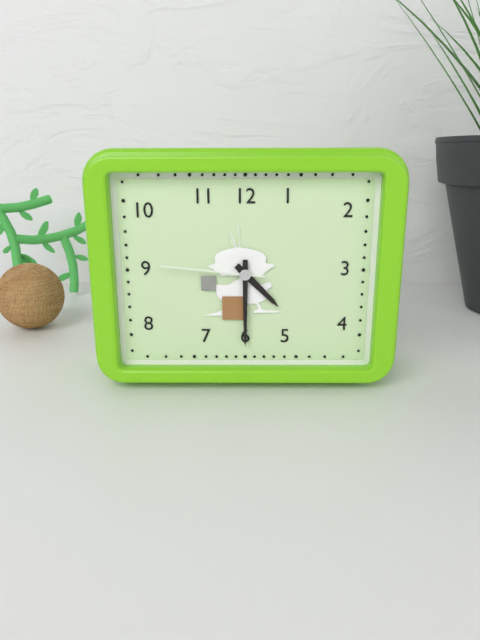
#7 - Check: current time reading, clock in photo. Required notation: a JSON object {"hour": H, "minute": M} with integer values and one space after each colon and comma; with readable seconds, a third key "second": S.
{"hour": 4, "minute": 30, "second": 46}
